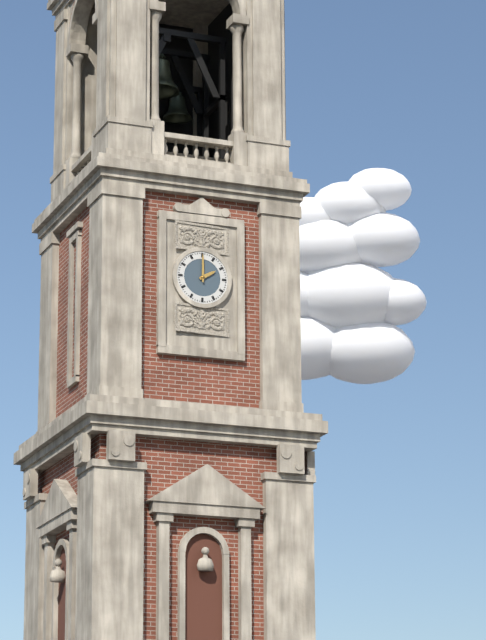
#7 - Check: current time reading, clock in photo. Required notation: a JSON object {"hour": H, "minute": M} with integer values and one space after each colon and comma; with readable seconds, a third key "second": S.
{"hour": 2, "minute": 0}
